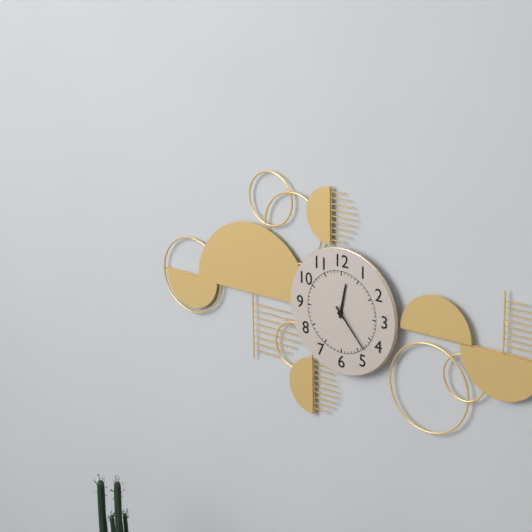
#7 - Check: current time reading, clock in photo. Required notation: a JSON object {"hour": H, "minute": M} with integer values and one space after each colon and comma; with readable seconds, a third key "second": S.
{"hour": 12, "minute": 23}
